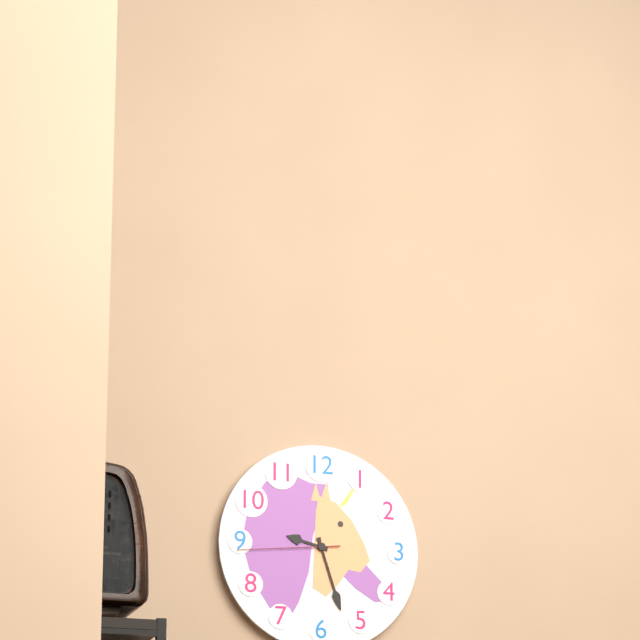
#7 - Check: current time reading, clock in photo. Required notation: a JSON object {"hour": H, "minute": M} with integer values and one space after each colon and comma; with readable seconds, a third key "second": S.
{"hour": 9, "minute": 27, "second": 44}
